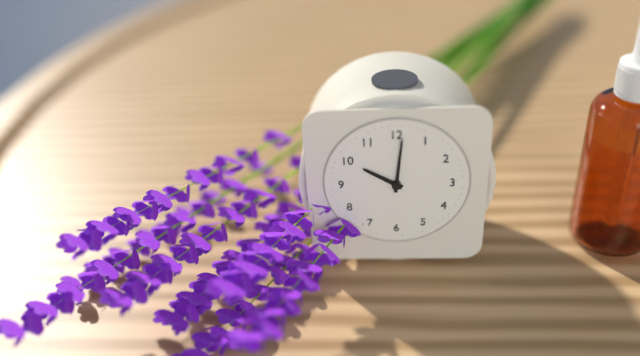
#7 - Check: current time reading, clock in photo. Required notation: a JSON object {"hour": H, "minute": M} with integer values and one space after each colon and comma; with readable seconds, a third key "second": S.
{"hour": 10, "minute": 1}
